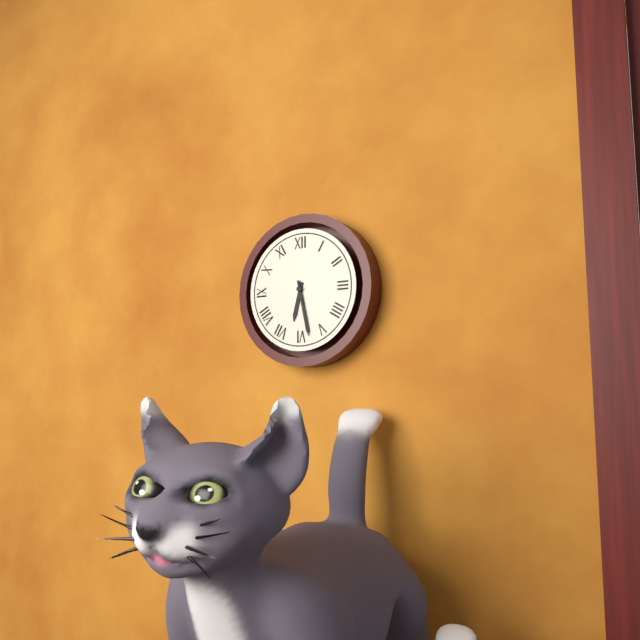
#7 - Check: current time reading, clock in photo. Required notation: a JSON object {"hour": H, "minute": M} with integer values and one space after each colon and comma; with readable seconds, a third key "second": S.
{"hour": 6, "minute": 28}
